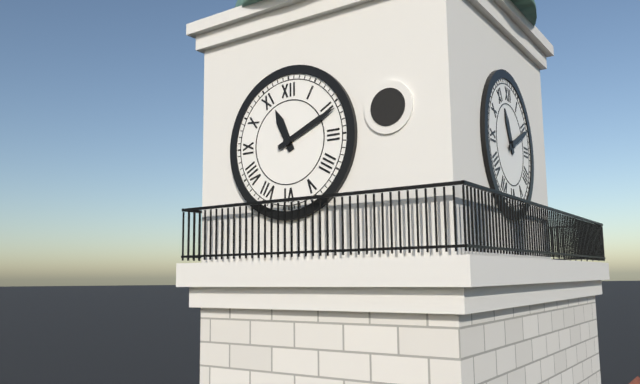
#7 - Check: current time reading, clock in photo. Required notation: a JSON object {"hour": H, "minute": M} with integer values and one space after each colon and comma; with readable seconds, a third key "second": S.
{"hour": 11, "minute": 11}
